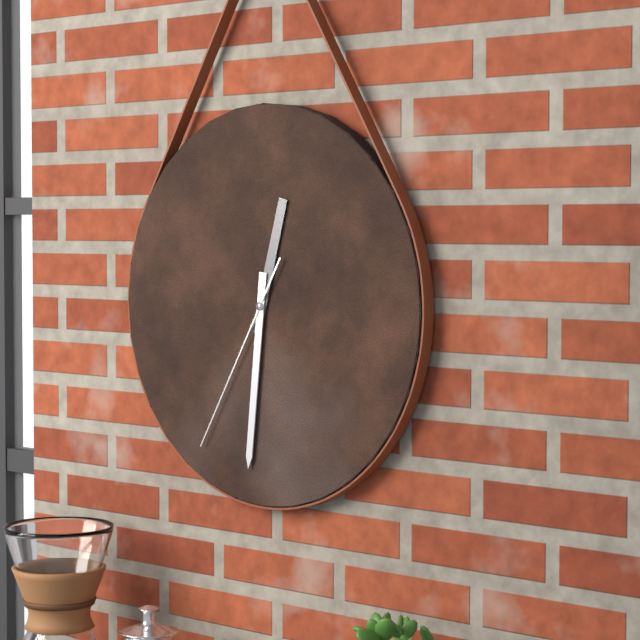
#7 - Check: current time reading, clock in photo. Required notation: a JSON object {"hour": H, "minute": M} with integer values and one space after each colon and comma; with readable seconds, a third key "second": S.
{"hour": 12, "minute": 31, "second": 35}
